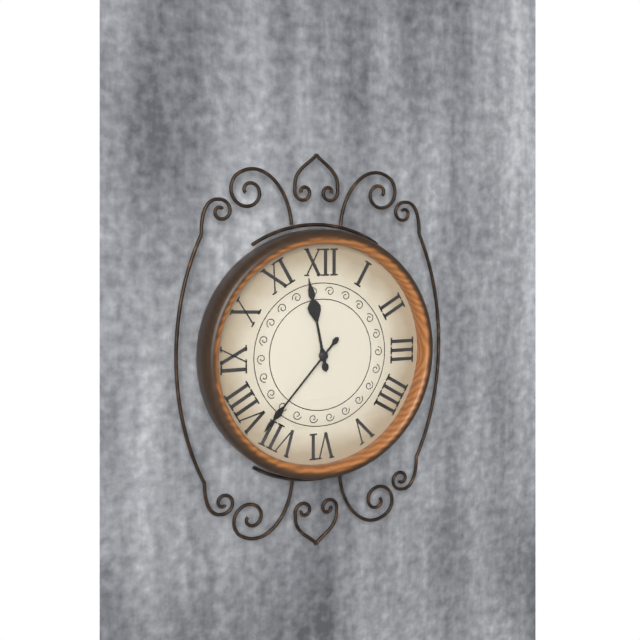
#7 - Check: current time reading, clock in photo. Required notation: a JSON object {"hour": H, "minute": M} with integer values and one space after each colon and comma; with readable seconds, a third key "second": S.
{"hour": 11, "minute": 37}
